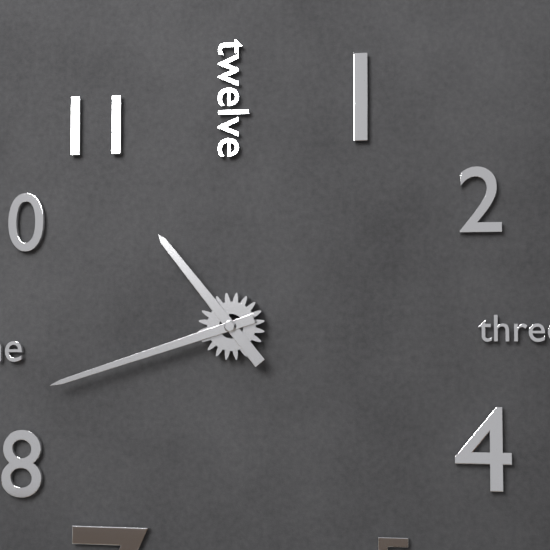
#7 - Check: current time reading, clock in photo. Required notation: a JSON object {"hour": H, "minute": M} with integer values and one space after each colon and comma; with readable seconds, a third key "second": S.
{"hour": 10, "minute": 42}
